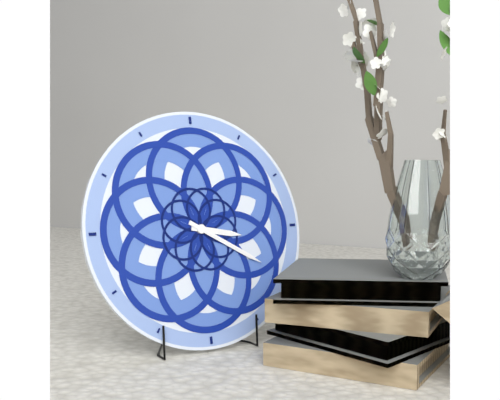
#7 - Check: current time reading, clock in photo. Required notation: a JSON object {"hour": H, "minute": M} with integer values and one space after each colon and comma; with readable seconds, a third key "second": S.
{"hour": 3, "minute": 20}
